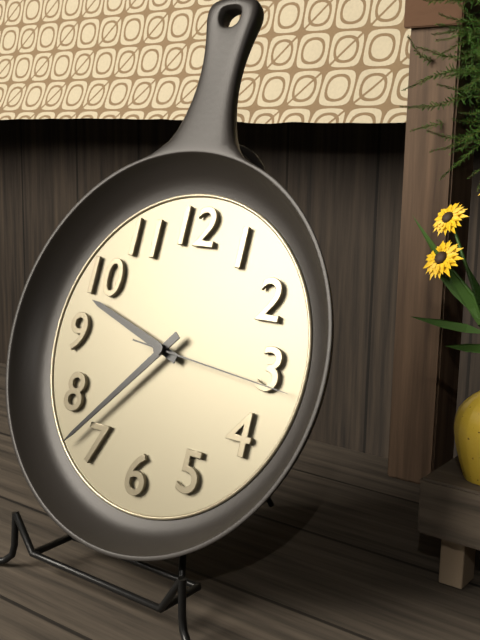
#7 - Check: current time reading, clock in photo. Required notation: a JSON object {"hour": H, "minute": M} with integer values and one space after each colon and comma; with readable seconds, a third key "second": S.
{"hour": 9, "minute": 37, "second": 16}
